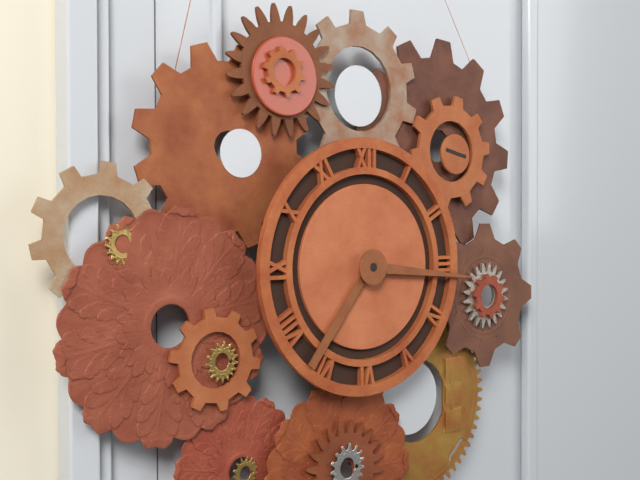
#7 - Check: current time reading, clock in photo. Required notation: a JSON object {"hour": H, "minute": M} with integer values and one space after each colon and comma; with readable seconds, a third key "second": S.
{"hour": 7, "minute": 16}
